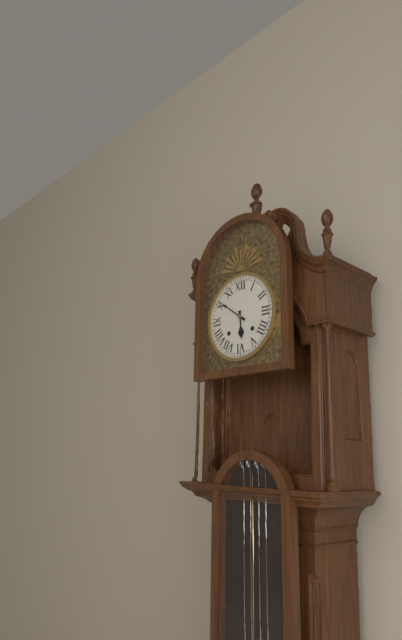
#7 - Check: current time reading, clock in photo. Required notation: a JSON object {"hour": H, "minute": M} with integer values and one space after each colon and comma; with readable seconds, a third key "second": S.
{"hour": 5, "minute": 51}
